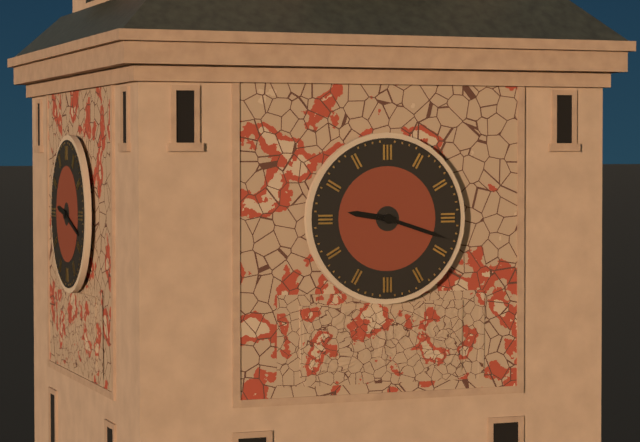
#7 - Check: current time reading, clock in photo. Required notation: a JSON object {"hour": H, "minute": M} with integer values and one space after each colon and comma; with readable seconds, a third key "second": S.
{"hour": 9, "minute": 18}
